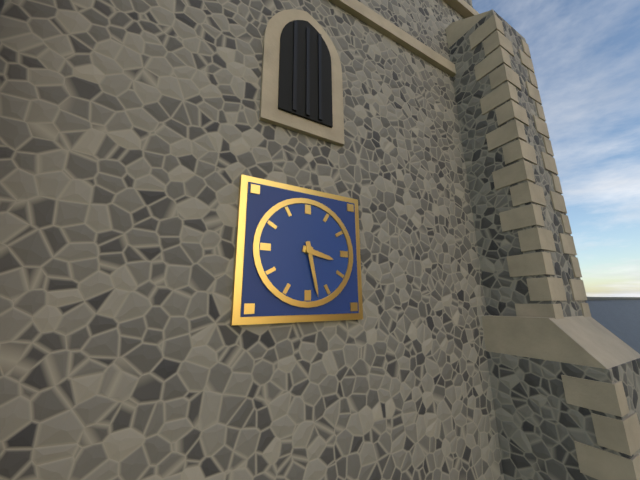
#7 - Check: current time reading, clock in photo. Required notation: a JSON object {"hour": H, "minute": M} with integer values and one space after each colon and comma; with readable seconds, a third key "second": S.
{"hour": 3, "minute": 28}
